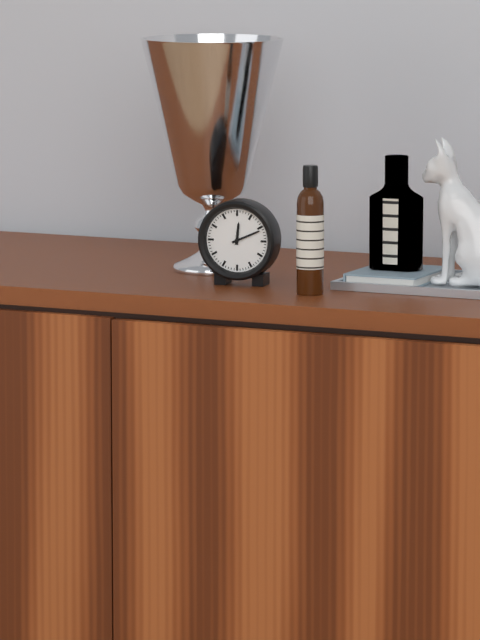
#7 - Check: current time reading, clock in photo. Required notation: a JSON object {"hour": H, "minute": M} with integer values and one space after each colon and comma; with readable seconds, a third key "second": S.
{"hour": 12, "minute": 11}
